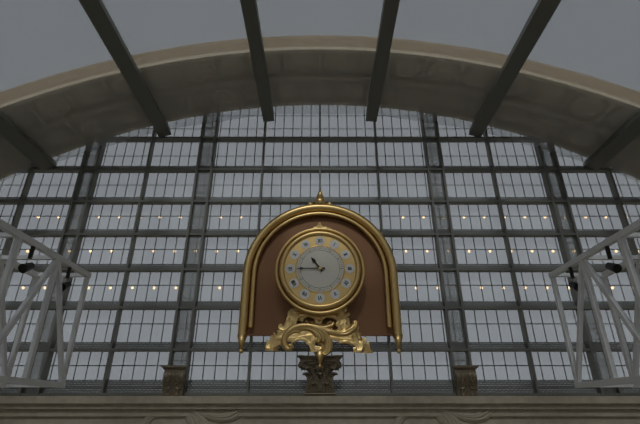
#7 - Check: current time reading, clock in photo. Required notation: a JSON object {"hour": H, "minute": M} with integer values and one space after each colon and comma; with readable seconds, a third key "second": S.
{"hour": 10, "minute": 45}
